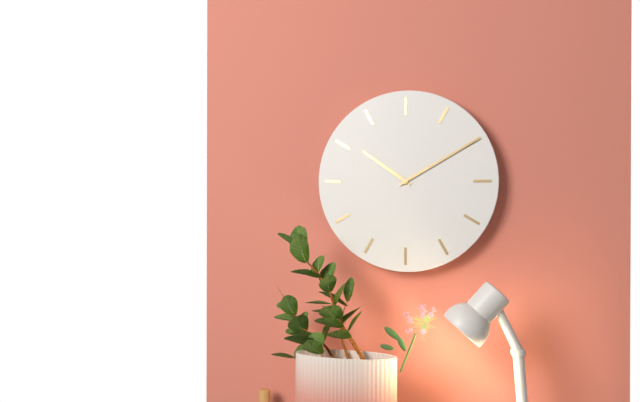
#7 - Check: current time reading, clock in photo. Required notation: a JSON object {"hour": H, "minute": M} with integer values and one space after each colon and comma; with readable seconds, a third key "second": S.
{"hour": 10, "minute": 10}
